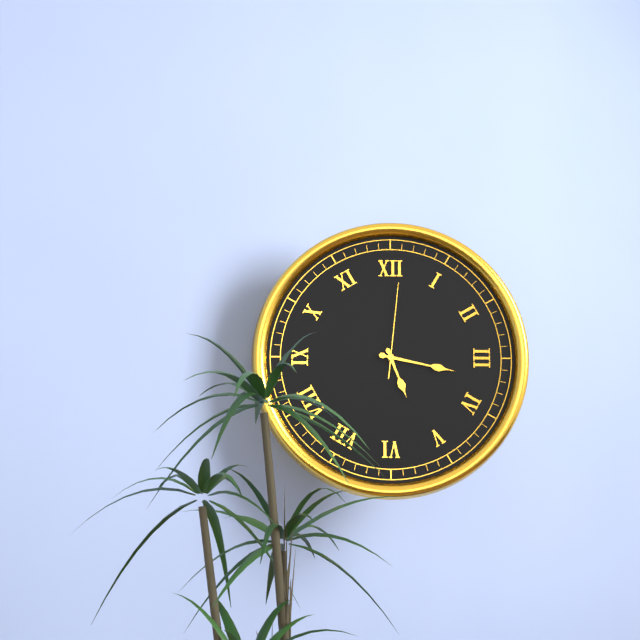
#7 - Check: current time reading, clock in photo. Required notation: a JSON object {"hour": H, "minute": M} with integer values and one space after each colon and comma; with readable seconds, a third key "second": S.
{"hour": 5, "minute": 17, "second": 1}
